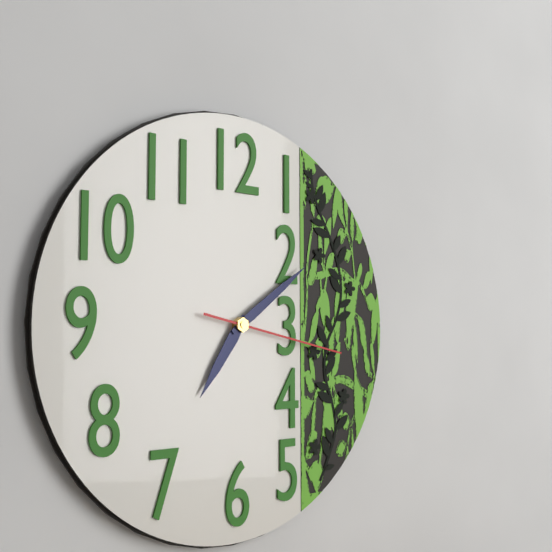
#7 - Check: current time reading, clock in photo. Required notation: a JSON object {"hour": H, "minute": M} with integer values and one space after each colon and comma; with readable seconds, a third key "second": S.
{"hour": 7, "minute": 9, "second": 17}
